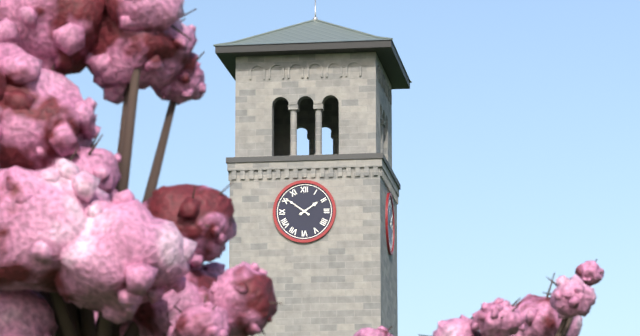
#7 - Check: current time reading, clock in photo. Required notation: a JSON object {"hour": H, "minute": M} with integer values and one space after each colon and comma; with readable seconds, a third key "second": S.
{"hour": 1, "minute": 51}
